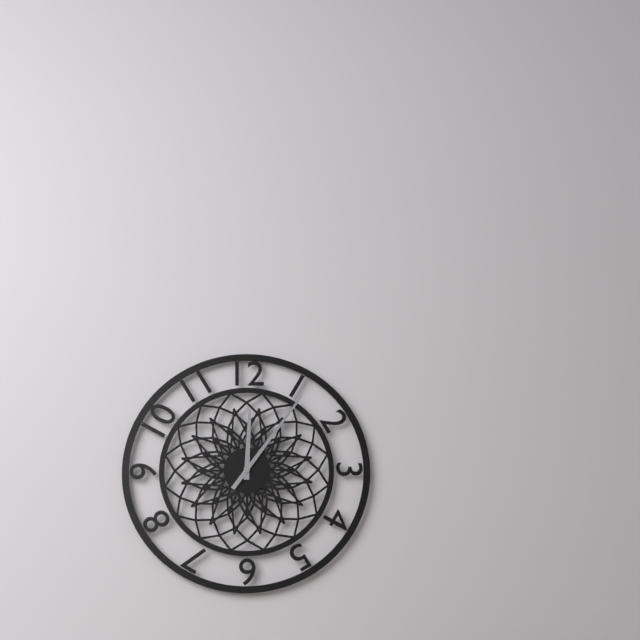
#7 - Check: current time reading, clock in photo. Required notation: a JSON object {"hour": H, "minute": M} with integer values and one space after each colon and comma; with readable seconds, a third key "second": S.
{"hour": 12, "minute": 6}
